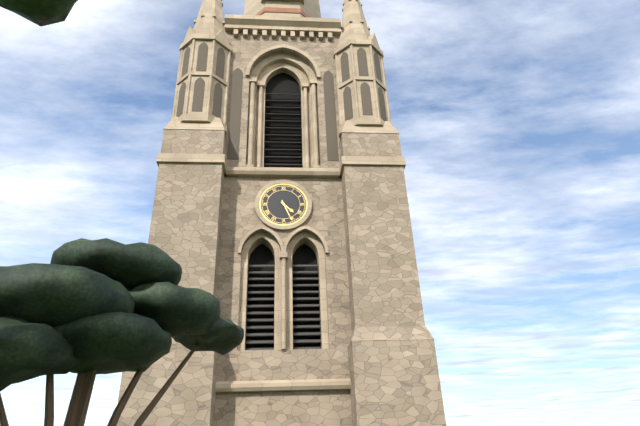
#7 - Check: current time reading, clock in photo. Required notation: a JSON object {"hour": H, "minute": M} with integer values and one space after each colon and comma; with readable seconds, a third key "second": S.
{"hour": 4, "minute": 26}
